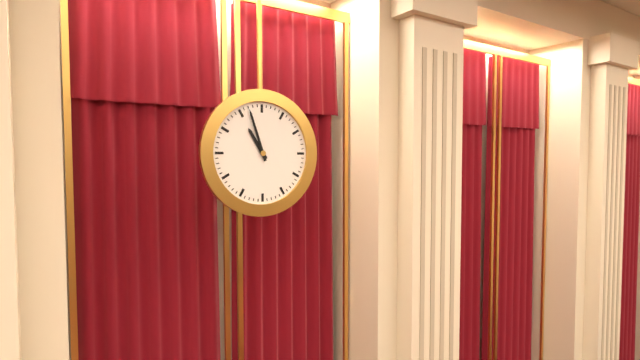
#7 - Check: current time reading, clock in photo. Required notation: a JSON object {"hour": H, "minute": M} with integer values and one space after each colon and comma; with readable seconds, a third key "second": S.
{"hour": 10, "minute": 57}
